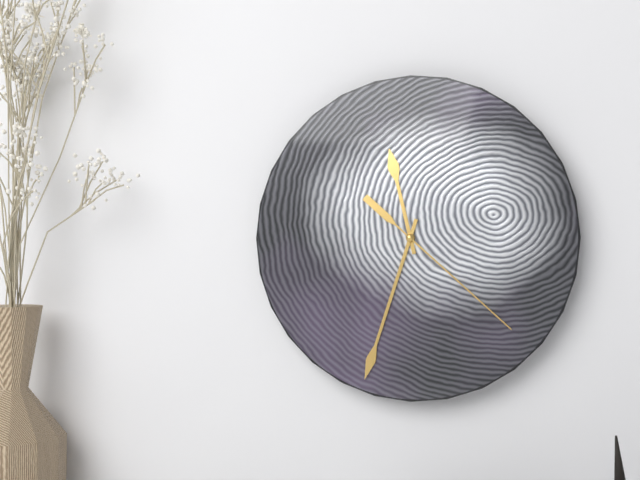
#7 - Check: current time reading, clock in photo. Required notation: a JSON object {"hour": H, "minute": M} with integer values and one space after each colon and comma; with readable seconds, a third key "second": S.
{"hour": 11, "minute": 33, "second": 22}
